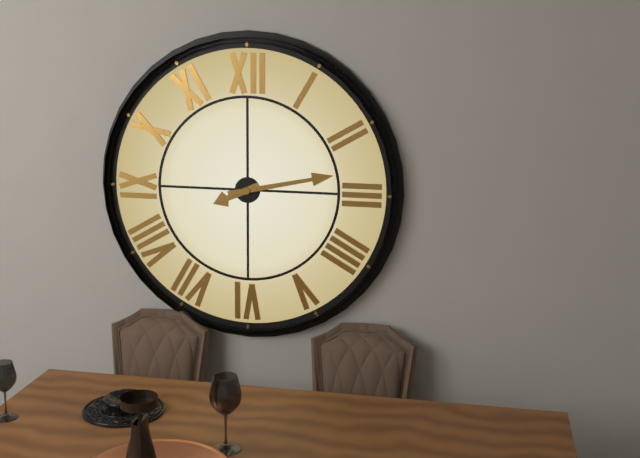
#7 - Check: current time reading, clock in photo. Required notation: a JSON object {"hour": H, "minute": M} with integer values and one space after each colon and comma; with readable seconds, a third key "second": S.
{"hour": 8, "minute": 13}
